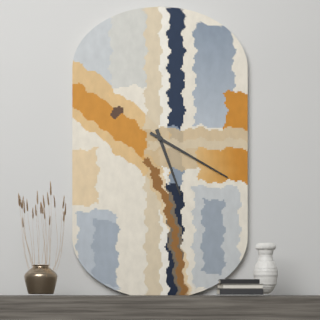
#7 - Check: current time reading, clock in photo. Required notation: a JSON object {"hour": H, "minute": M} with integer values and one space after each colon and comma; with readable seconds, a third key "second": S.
{"hour": 5, "minute": 20}
